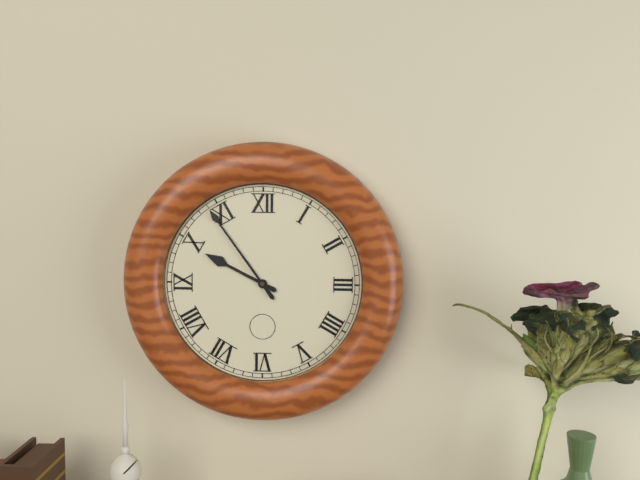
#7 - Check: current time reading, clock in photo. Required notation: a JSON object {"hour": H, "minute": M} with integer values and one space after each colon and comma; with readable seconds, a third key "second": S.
{"hour": 9, "minute": 54}
